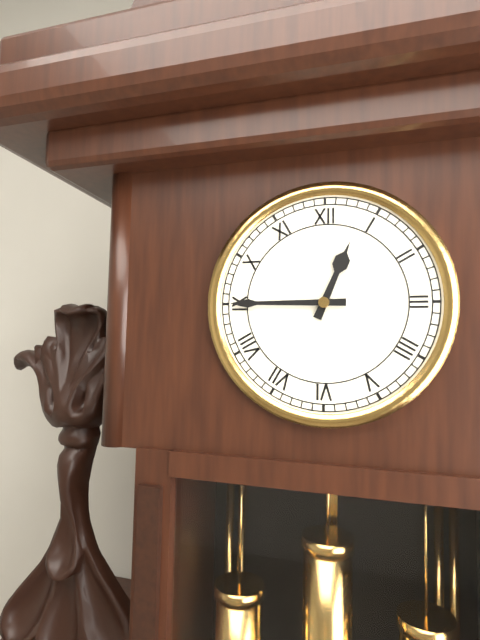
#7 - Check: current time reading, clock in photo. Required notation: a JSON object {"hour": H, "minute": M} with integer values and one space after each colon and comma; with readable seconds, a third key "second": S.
{"hour": 12, "minute": 45}
